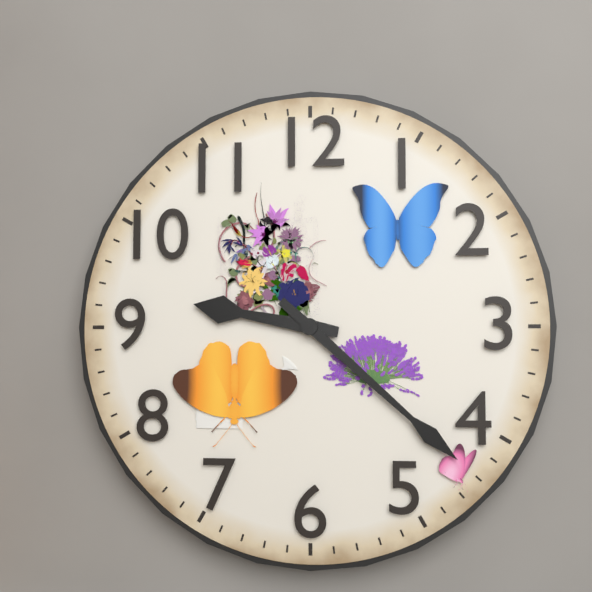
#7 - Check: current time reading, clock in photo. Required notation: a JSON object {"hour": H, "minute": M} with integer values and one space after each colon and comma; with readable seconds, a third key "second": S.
{"hour": 9, "minute": 22}
